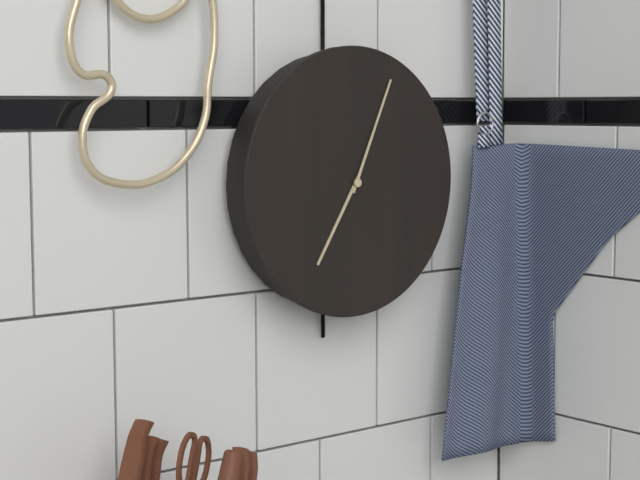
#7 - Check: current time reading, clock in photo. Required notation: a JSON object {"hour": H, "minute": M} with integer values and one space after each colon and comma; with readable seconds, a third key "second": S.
{"hour": 7, "minute": 4}
